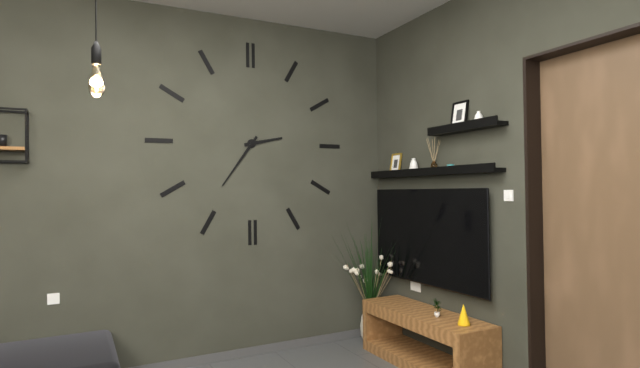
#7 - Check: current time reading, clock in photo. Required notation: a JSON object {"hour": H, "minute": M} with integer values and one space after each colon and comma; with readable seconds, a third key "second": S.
{"hour": 2, "minute": 36}
